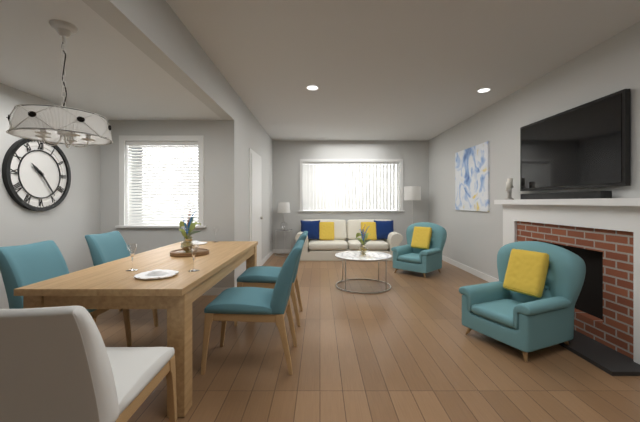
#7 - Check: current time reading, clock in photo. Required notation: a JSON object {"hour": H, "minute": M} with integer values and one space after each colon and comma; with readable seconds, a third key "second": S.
{"hour": 10, "minute": 24}
